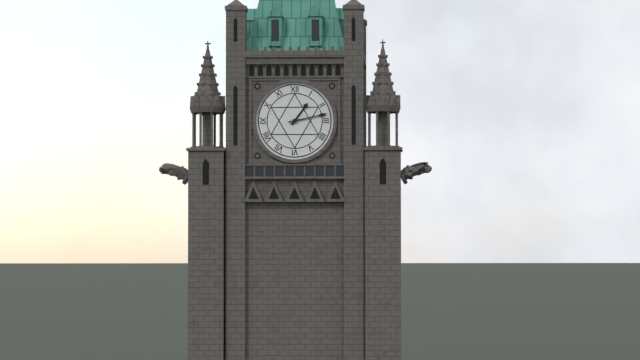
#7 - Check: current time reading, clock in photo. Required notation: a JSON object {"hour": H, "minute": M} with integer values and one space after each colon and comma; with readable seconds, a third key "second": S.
{"hour": 1, "minute": 13}
